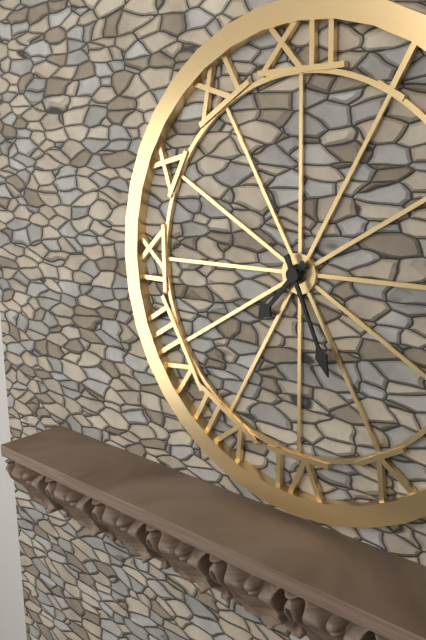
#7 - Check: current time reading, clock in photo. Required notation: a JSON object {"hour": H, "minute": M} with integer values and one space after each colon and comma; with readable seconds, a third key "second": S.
{"hour": 7, "minute": 26}
